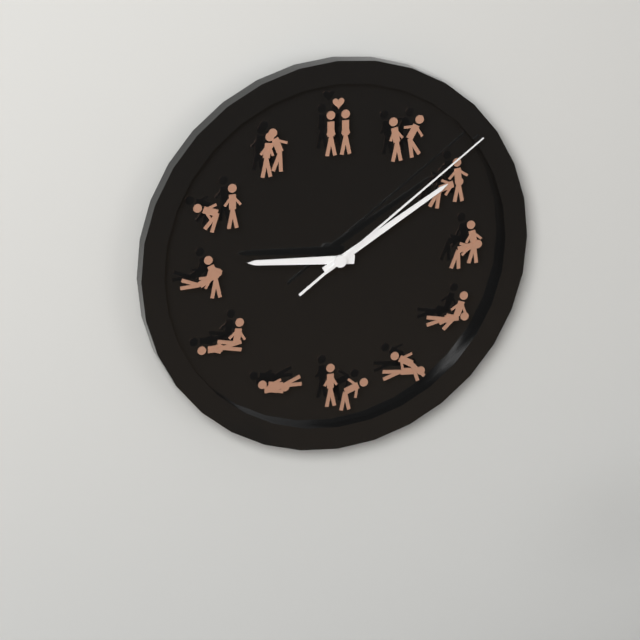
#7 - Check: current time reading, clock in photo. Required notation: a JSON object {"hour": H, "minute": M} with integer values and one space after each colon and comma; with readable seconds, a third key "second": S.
{"hour": 9, "minute": 10, "second": 9}
